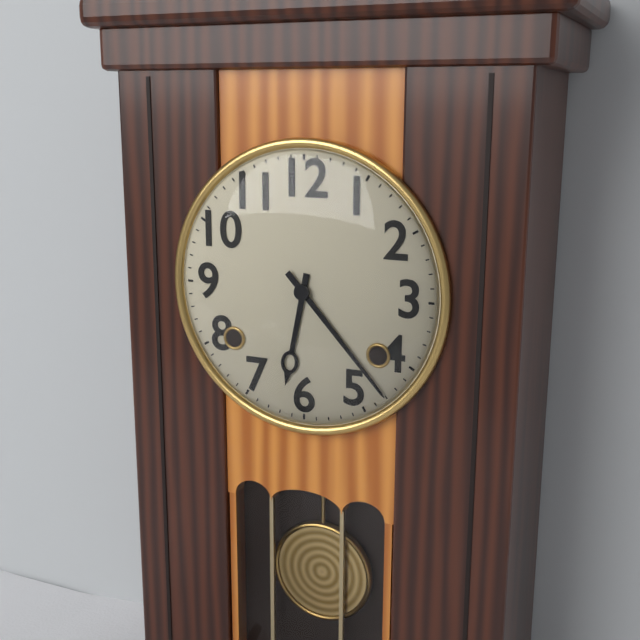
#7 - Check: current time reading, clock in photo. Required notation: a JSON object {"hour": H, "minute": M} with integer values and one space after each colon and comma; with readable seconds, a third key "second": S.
{"hour": 6, "minute": 23}
